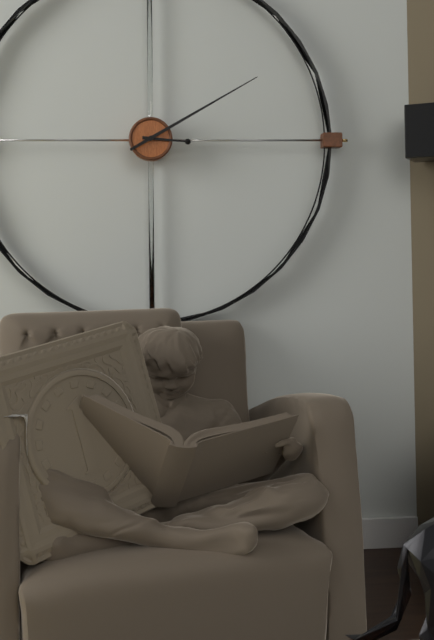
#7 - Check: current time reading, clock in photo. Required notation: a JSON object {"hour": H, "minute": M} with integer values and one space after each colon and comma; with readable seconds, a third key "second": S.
{"hour": 3, "minute": 10}
